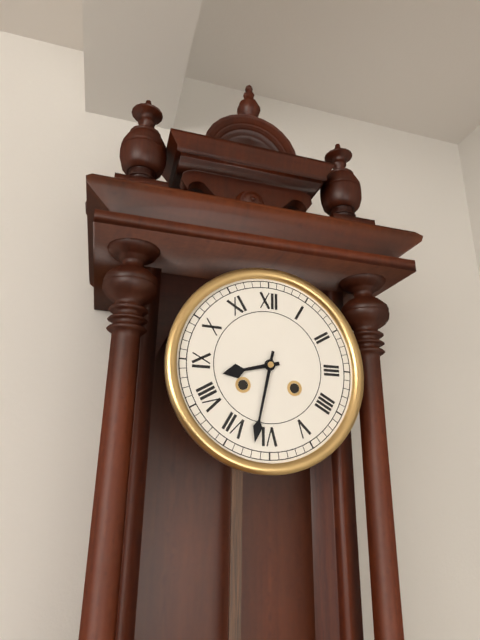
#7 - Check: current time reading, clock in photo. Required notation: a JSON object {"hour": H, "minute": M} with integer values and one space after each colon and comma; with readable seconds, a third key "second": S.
{"hour": 8, "minute": 32}
